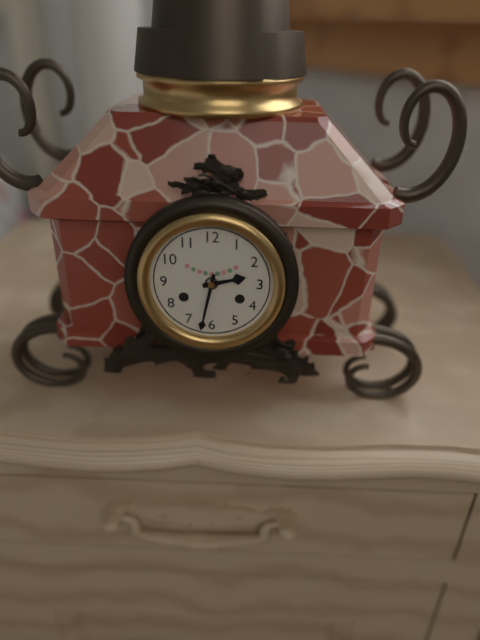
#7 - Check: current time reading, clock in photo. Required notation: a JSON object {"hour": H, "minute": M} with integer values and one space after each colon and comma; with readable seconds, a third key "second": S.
{"hour": 2, "minute": 32}
